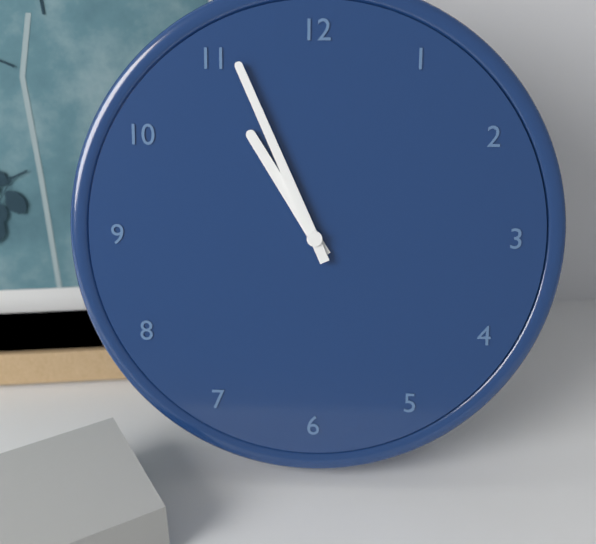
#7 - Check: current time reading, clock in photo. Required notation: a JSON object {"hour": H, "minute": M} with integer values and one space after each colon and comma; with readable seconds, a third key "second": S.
{"hour": 10, "minute": 56}
